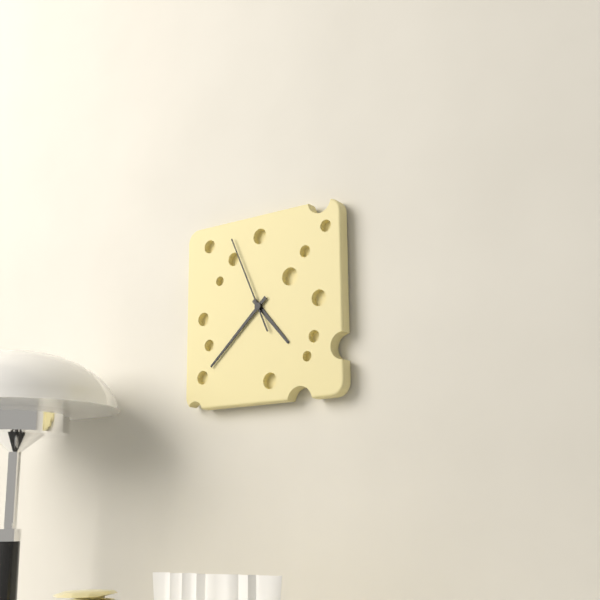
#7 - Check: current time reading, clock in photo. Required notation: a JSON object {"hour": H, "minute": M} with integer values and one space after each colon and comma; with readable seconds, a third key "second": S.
{"hour": 4, "minute": 38, "second": 56}
